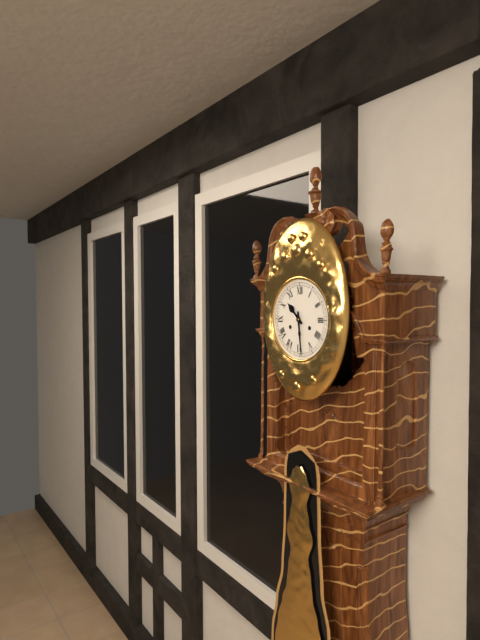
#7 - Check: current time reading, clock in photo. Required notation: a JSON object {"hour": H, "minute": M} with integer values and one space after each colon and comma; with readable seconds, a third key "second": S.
{"hour": 10, "minute": 29}
